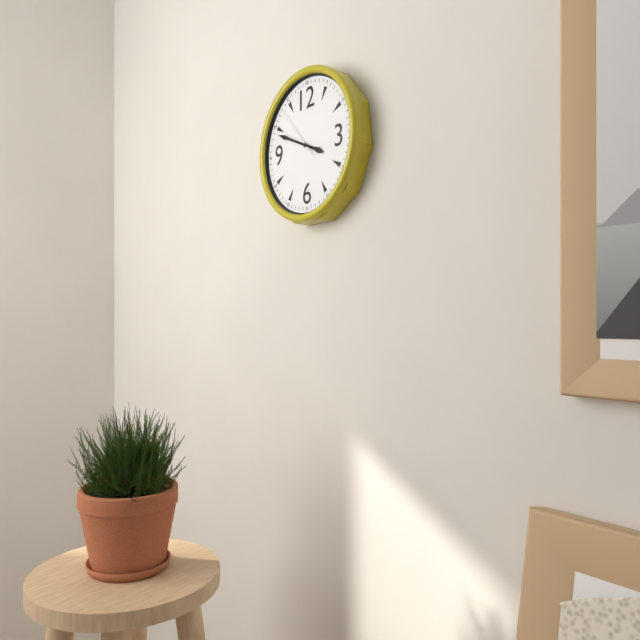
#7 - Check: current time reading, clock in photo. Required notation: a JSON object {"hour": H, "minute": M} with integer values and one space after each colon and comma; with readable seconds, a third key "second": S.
{"hour": 3, "minute": 49, "second": 53}
